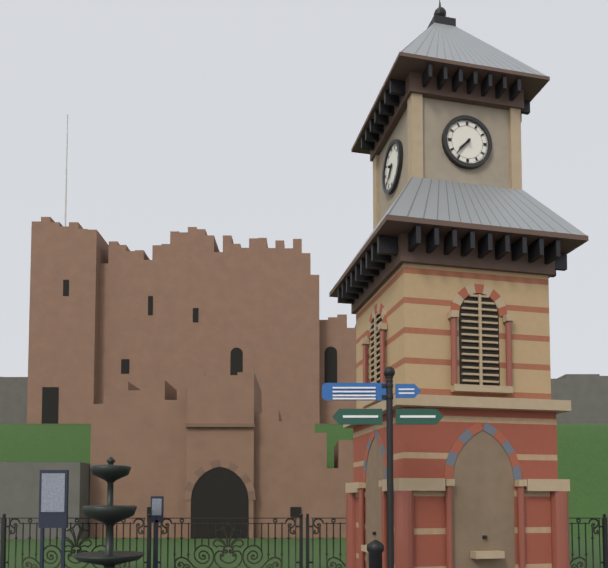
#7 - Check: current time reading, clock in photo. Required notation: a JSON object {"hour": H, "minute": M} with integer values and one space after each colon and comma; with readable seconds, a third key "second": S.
{"hour": 7, "minute": 37}
